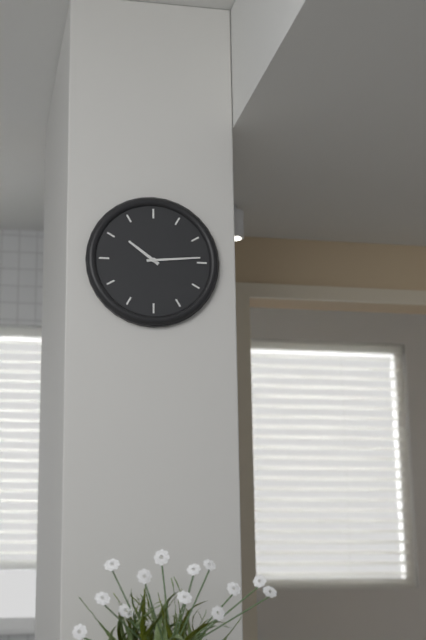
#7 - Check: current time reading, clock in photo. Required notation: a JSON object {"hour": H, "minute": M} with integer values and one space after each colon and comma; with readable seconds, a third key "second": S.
{"hour": 10, "minute": 14}
